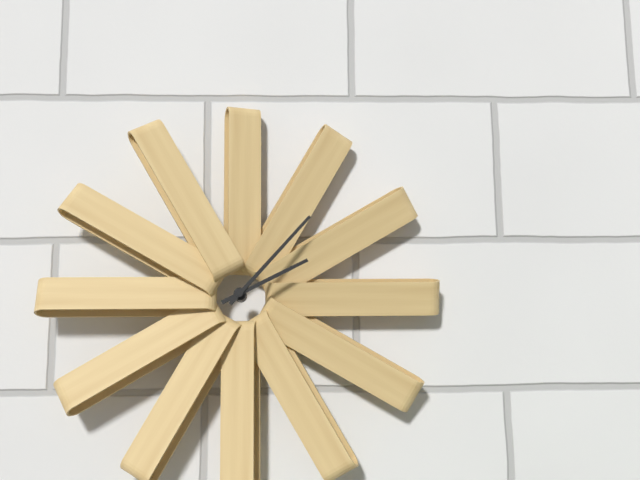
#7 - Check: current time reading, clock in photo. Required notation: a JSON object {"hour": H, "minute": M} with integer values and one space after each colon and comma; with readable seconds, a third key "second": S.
{"hour": 2, "minute": 7}
